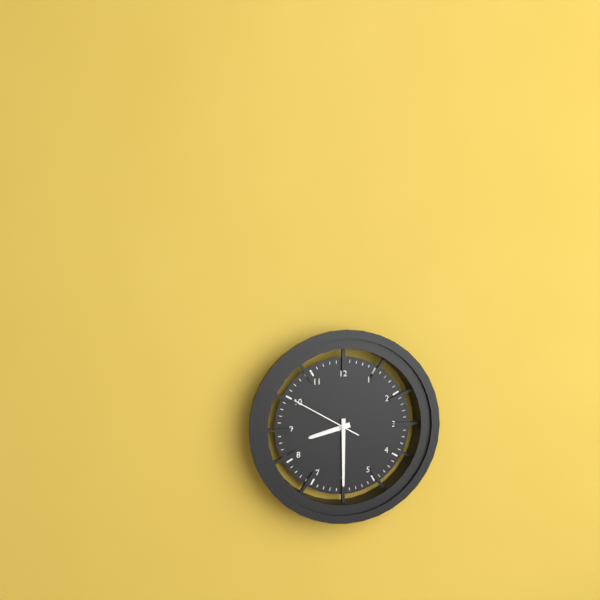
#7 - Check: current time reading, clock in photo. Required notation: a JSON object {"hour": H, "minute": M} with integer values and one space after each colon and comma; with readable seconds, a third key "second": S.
{"hour": 8, "minute": 30, "second": 50}
